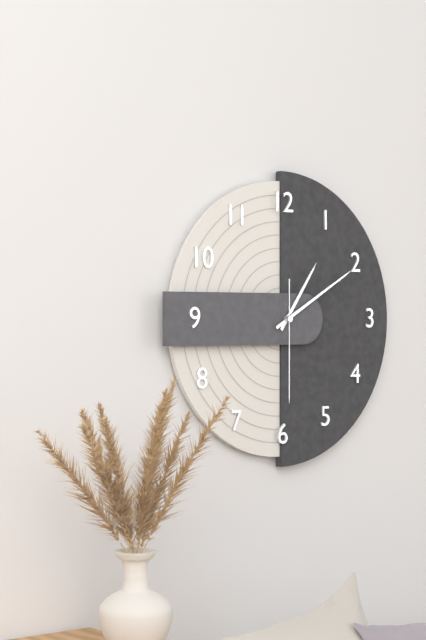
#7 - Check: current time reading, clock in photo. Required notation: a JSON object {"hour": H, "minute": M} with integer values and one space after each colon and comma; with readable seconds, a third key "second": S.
{"hour": 1, "minute": 10, "second": 30}
